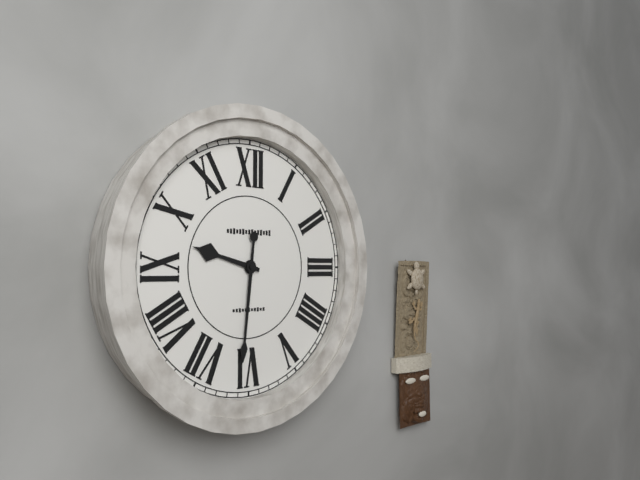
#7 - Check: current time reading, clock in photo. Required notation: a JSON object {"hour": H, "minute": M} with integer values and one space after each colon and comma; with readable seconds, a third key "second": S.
{"hour": 9, "minute": 31}
